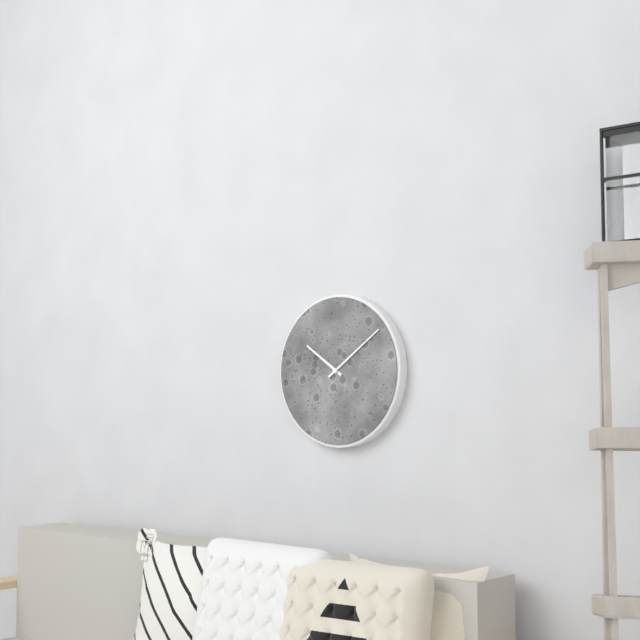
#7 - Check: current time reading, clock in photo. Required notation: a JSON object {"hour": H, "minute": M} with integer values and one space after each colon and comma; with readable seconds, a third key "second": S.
{"hour": 10, "minute": 9}
